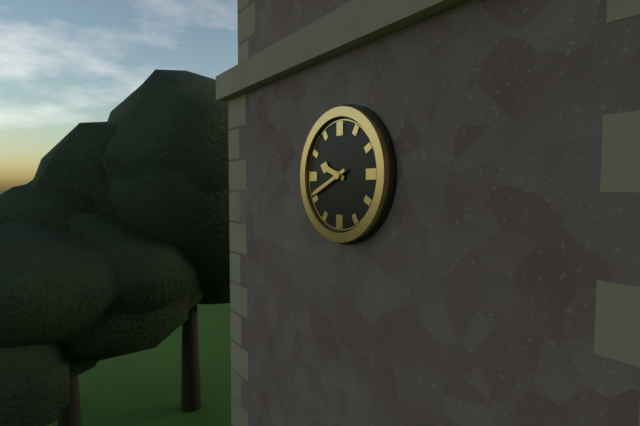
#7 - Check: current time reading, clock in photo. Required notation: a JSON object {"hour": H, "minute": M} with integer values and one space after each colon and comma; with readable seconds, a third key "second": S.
{"hour": 9, "minute": 41}
